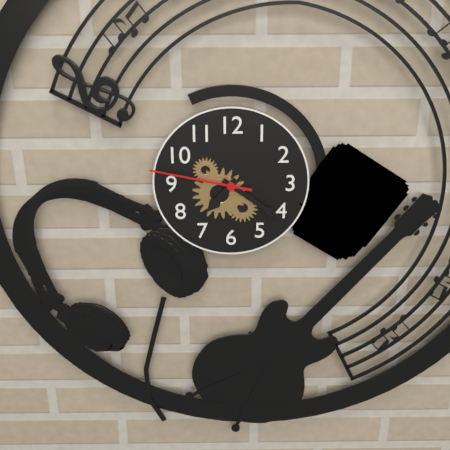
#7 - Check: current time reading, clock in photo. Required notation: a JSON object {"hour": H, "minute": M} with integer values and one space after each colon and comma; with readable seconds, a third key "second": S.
{"hour": 7, "minute": 21, "second": 47}
